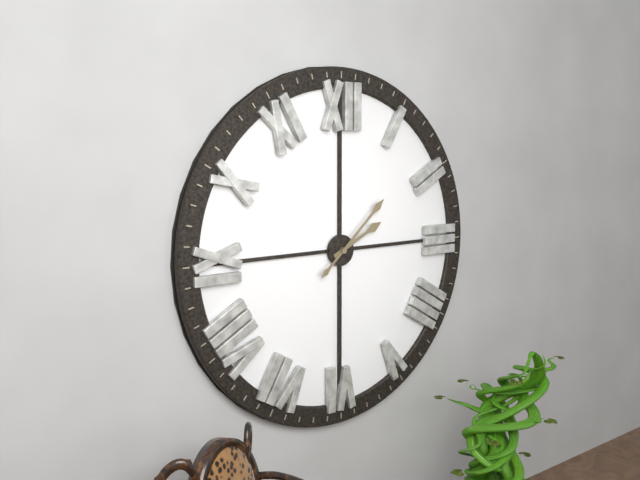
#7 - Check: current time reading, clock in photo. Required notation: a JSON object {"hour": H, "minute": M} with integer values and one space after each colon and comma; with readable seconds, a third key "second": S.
{"hour": 2, "minute": 8}
